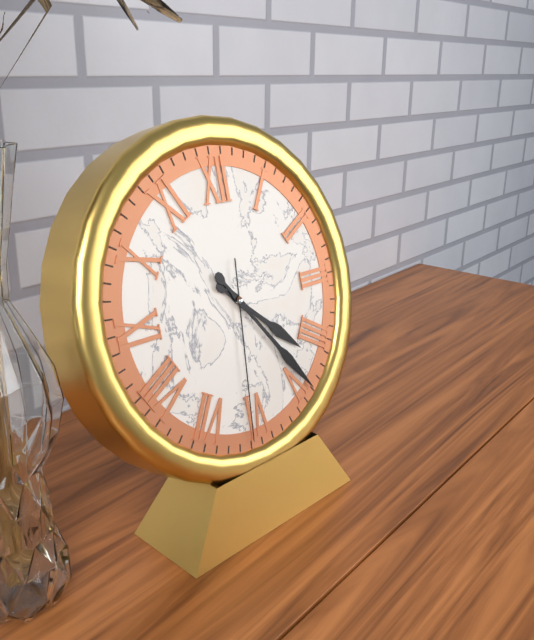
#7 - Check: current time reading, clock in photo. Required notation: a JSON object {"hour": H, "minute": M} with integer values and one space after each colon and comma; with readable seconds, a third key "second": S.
{"hour": 4, "minute": 24, "second": 31}
